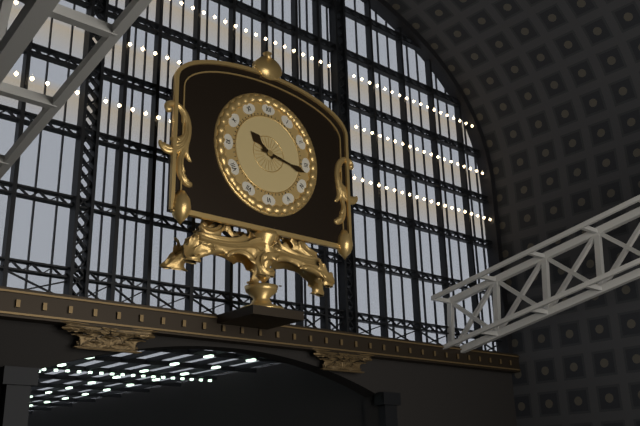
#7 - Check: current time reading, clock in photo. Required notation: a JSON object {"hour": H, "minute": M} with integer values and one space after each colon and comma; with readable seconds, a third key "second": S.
{"hour": 10, "minute": 17}
